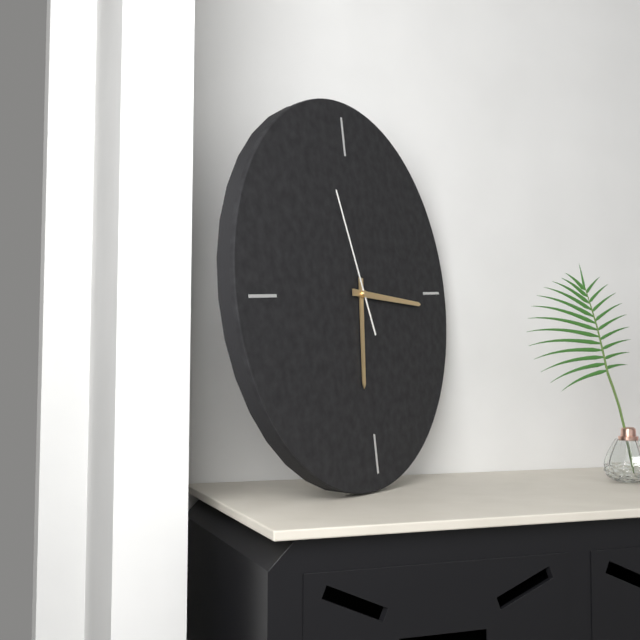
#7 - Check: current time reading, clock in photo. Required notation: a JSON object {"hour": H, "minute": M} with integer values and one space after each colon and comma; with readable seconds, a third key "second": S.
{"hour": 6, "minute": 16, "second": 57}
